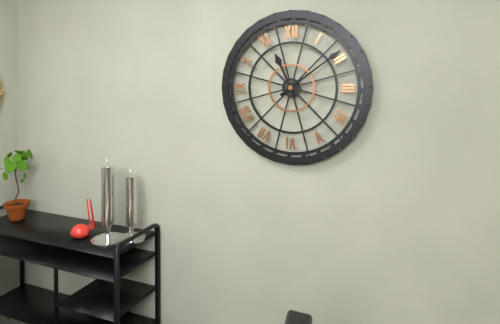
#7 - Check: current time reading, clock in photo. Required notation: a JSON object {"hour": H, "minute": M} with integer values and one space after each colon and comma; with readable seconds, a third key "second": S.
{"hour": 11, "minute": 9}
